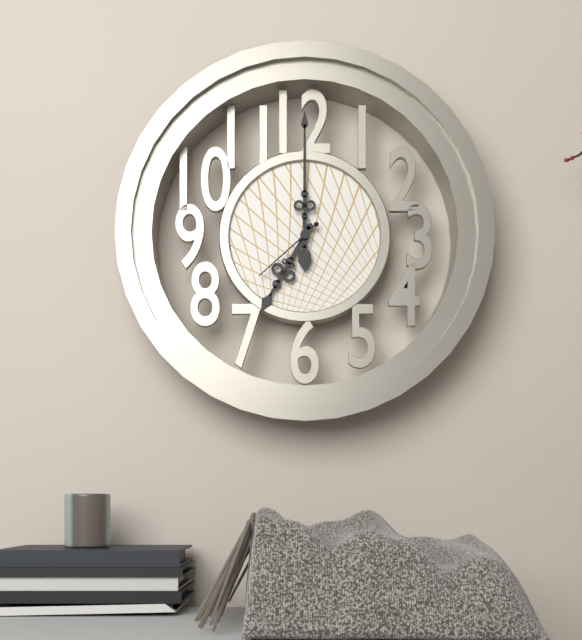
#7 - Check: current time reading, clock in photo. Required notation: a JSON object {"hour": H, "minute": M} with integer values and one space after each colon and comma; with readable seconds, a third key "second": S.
{"hour": 7, "minute": 0, "second": 38}
